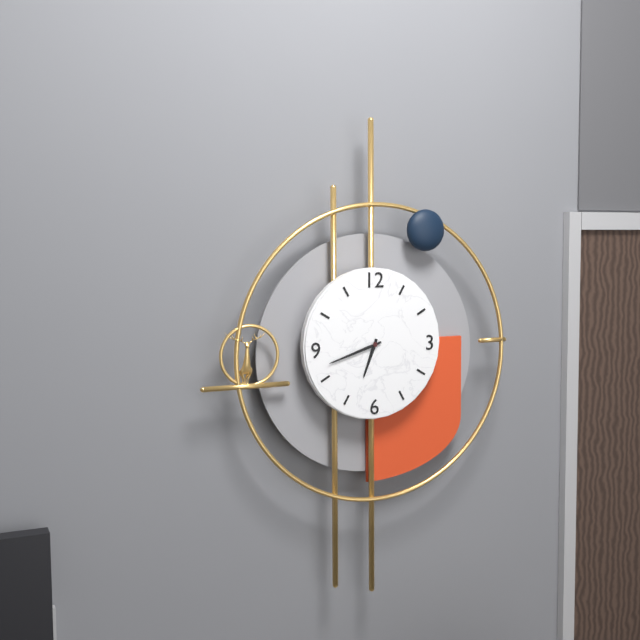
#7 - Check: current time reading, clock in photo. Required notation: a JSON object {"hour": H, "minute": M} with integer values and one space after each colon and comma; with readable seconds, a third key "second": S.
{"hour": 6, "minute": 42}
